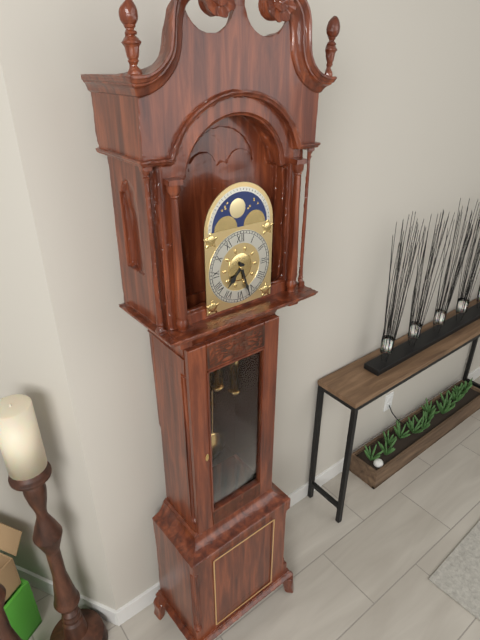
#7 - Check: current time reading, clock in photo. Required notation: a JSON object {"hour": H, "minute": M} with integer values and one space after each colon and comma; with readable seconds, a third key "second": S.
{"hour": 7, "minute": 27}
